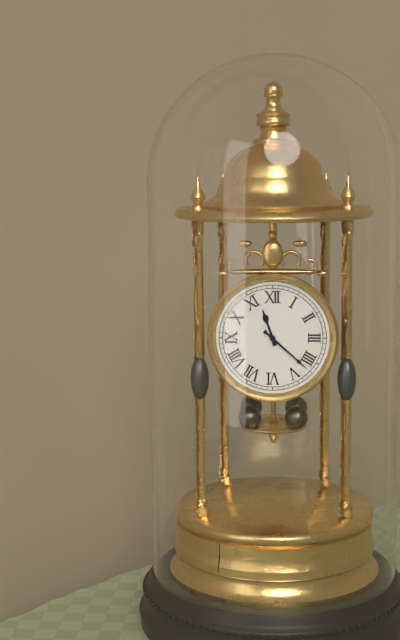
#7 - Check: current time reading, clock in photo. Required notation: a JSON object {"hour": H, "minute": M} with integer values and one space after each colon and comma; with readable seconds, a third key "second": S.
{"hour": 11, "minute": 22}
